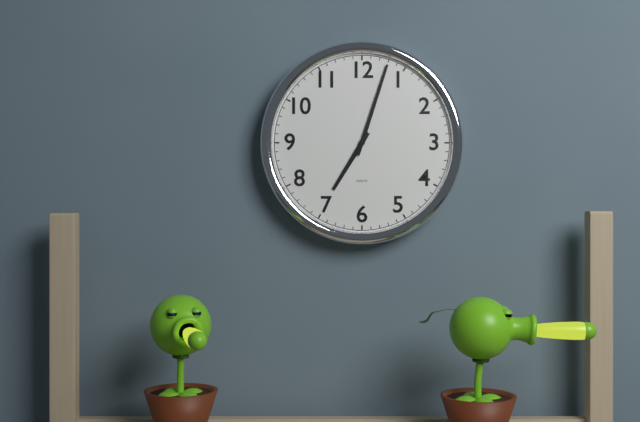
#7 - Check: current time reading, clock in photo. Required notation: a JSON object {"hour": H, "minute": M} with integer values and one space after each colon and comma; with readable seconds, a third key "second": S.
{"hour": 7, "minute": 3}
